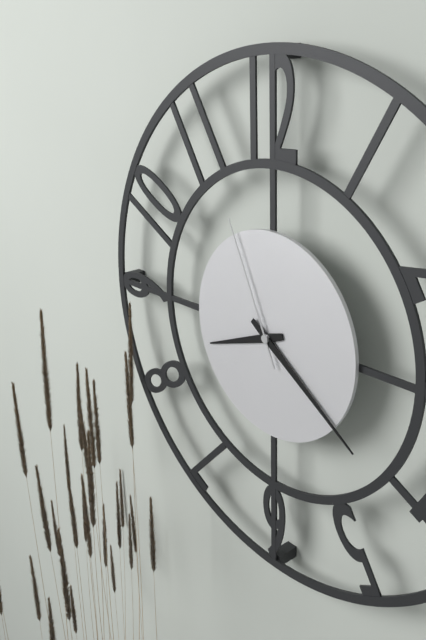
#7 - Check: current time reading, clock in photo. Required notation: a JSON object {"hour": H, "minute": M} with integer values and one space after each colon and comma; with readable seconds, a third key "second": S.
{"hour": 8, "minute": 21, "second": 56}
